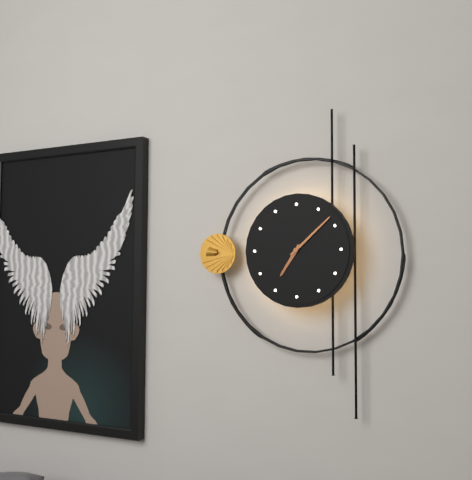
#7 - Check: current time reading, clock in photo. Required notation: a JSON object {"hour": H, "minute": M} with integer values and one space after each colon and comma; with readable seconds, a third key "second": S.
{"hour": 7, "minute": 8}
